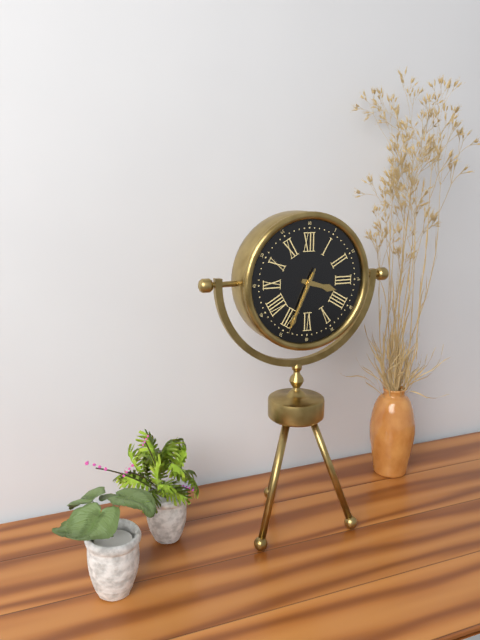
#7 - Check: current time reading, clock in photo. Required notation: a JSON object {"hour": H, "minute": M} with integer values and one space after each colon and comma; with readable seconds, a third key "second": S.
{"hour": 3, "minute": 34, "second": 34}
